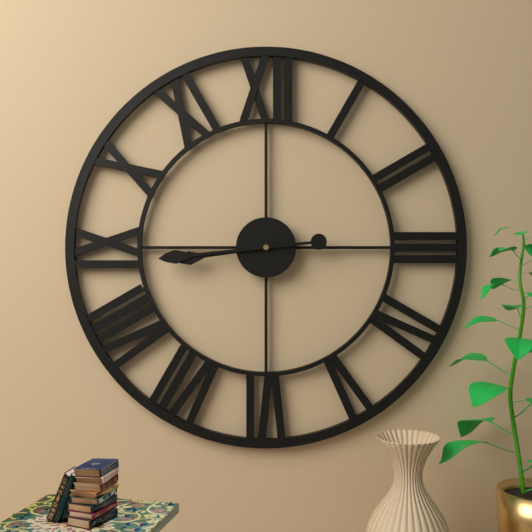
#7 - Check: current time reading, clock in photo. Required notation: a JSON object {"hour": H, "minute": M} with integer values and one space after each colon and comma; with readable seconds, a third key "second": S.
{"hour": 8, "minute": 44}
